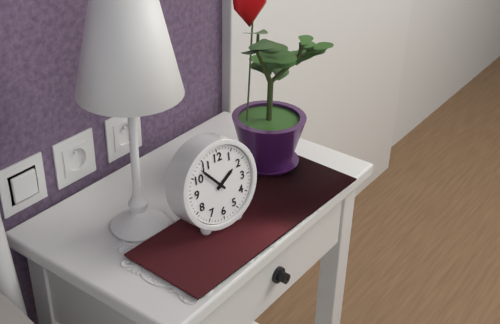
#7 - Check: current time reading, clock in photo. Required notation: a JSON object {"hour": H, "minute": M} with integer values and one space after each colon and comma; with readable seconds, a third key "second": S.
{"hour": 1, "minute": 53}
